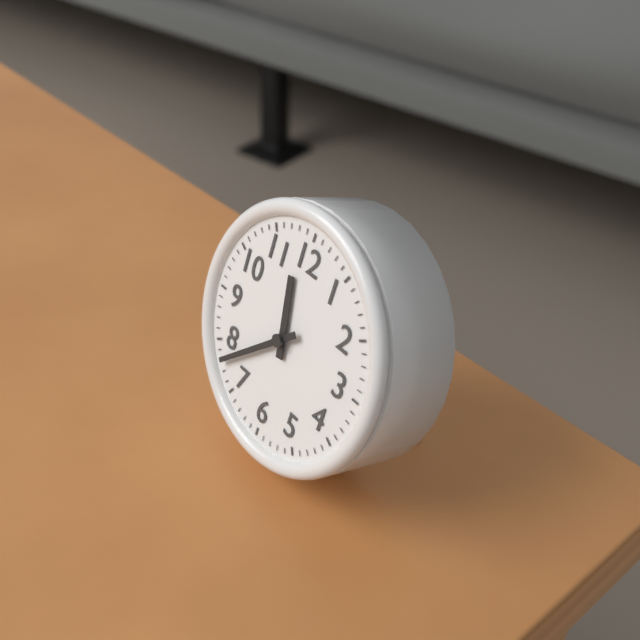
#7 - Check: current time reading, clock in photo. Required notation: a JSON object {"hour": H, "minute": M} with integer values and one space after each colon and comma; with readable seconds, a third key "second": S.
{"hour": 11, "minute": 38}
